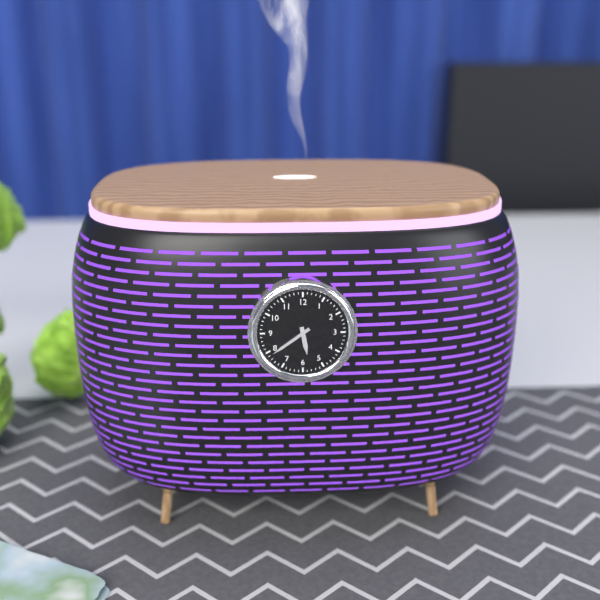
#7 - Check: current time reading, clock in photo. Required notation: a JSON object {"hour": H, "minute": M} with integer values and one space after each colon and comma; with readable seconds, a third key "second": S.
{"hour": 5, "minute": 39}
